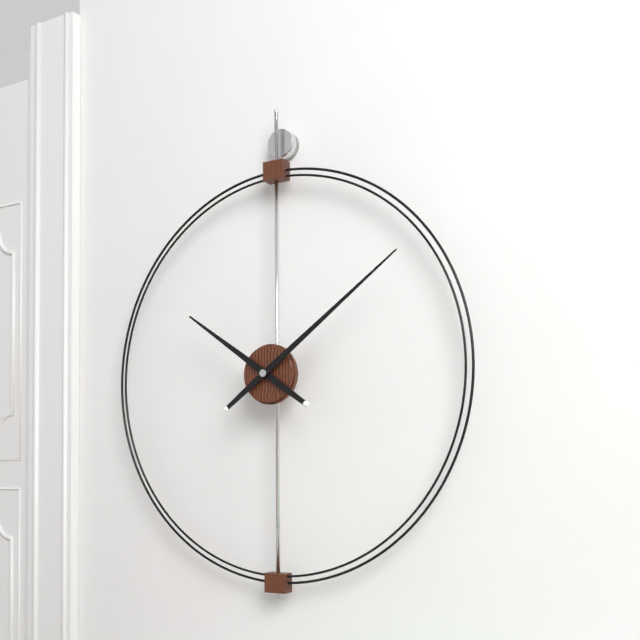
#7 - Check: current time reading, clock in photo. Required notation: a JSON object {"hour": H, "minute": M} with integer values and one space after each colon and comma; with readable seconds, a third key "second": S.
{"hour": 10, "minute": 9}
